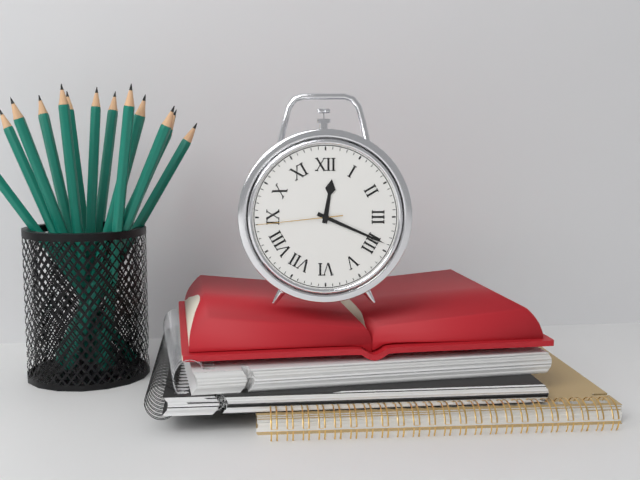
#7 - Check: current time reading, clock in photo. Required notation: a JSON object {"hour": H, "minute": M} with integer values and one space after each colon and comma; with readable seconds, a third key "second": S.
{"hour": 12, "minute": 19, "second": 44}
